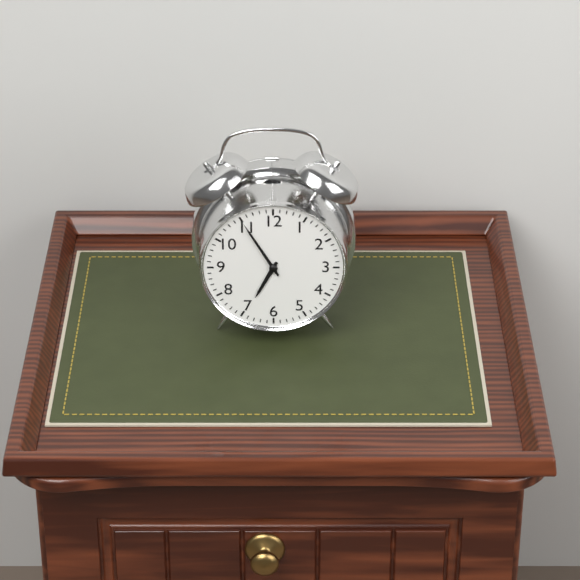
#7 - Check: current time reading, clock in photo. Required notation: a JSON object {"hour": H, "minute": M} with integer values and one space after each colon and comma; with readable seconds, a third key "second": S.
{"hour": 6, "minute": 55}
